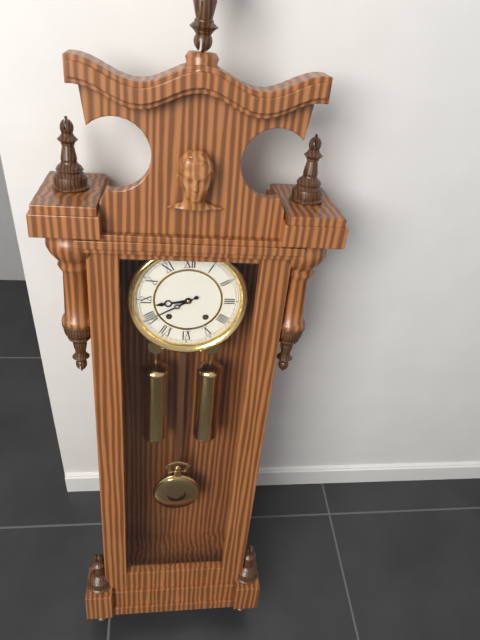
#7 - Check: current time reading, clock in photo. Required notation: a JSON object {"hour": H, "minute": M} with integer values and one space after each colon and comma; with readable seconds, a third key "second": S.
{"hour": 8, "minute": 40}
